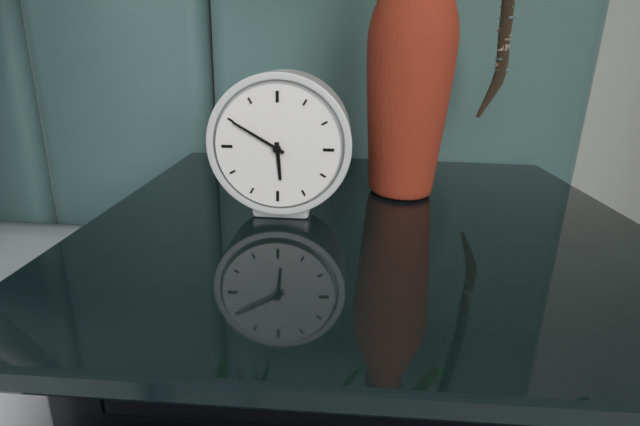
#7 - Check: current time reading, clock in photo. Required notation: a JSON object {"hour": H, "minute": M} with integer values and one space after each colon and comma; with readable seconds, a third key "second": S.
{"hour": 5, "minute": 50}
